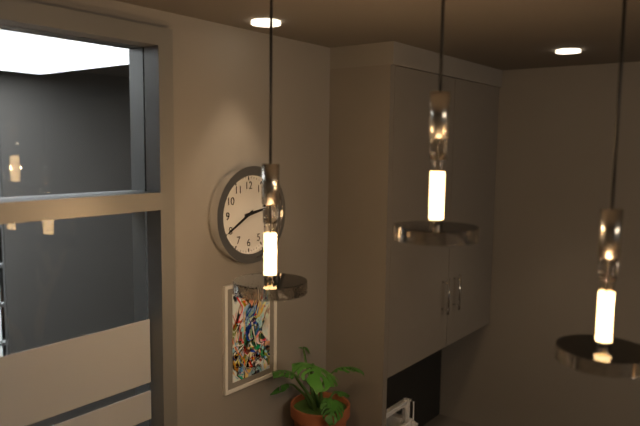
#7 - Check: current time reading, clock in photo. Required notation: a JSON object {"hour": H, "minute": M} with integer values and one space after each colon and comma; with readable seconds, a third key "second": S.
{"hour": 2, "minute": 40}
